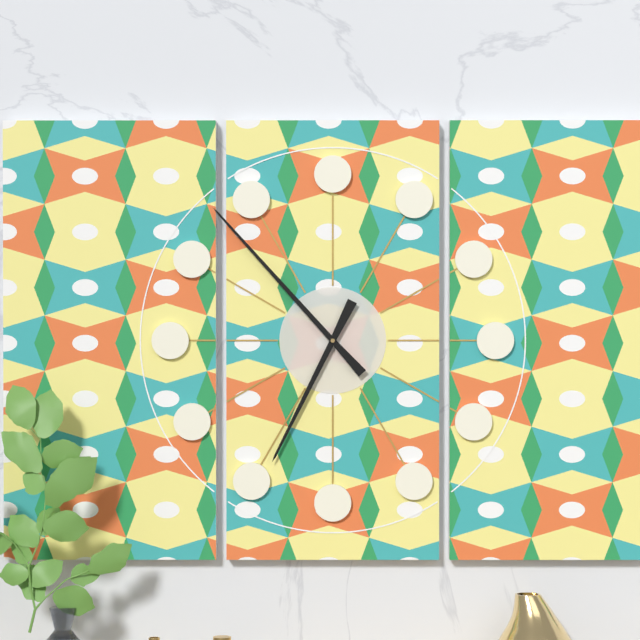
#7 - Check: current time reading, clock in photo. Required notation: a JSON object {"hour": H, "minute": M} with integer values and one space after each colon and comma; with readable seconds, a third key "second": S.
{"hour": 6, "minute": 53}
